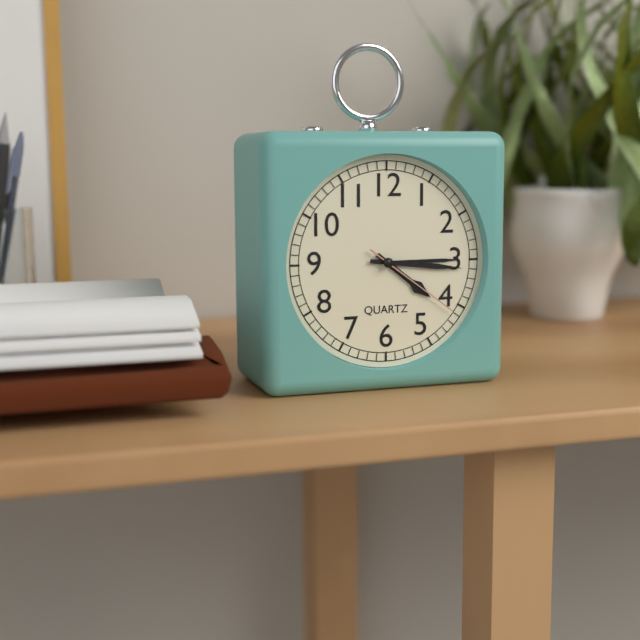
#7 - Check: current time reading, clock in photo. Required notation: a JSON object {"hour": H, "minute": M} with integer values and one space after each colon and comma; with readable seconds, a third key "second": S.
{"hour": 4, "minute": 16, "second": 21}
